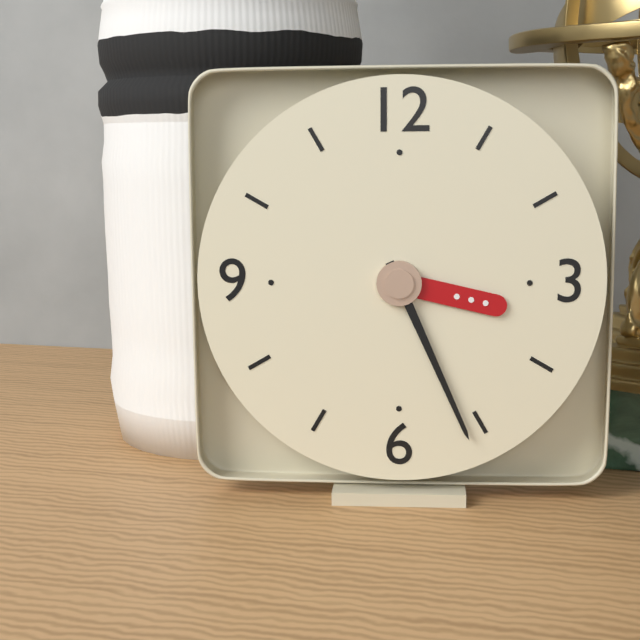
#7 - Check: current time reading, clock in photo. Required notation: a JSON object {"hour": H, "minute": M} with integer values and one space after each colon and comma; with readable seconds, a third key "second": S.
{"hour": 3, "minute": 26}
